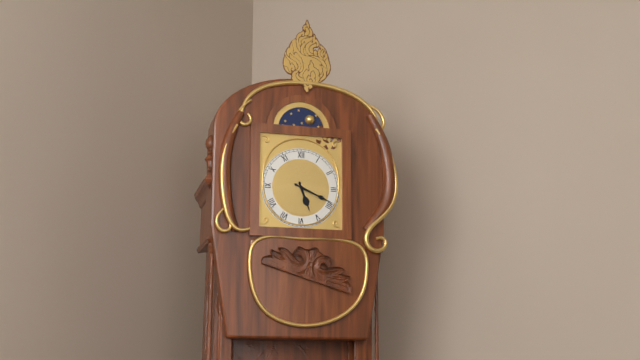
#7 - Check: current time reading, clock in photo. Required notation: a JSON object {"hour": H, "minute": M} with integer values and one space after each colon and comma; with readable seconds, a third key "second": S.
{"hour": 5, "minute": 19}
